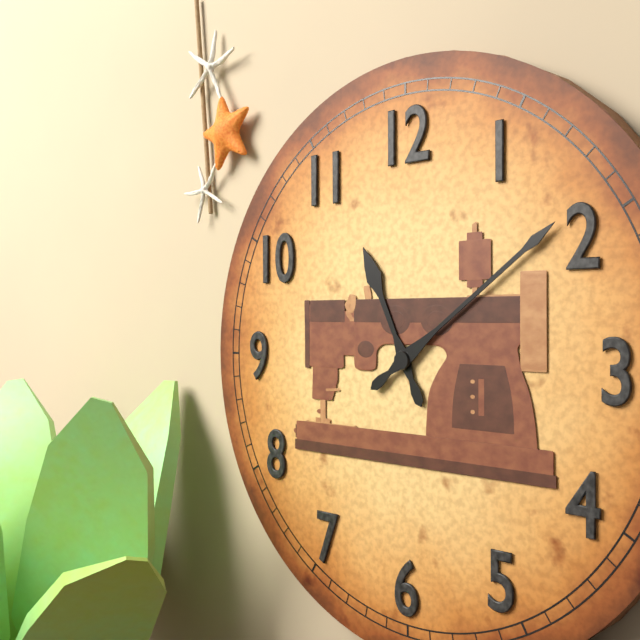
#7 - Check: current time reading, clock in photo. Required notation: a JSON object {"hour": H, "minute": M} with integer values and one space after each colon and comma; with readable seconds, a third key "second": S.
{"hour": 11, "minute": 9}
